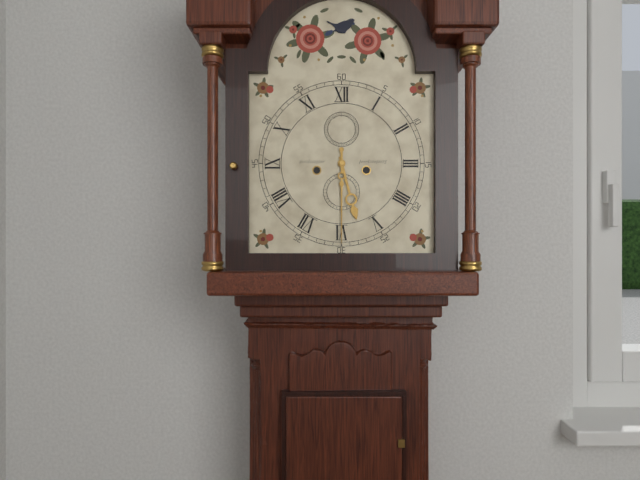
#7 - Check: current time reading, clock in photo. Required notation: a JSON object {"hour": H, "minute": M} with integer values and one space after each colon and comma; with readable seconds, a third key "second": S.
{"hour": 5, "minute": 30}
